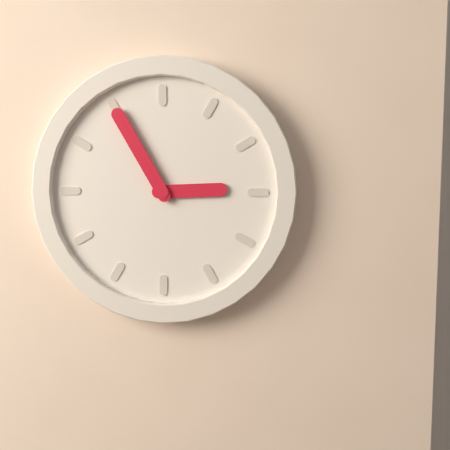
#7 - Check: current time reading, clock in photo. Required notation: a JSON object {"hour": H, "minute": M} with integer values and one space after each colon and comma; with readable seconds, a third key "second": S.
{"hour": 2, "minute": 55}
